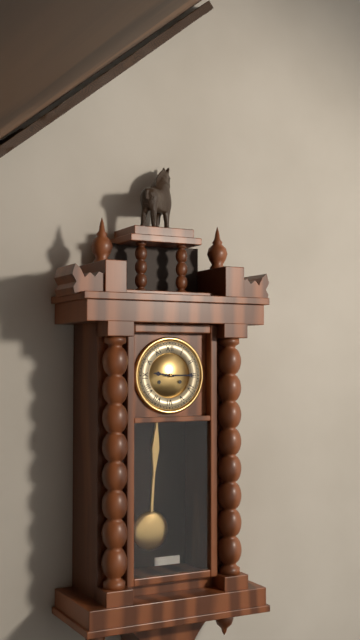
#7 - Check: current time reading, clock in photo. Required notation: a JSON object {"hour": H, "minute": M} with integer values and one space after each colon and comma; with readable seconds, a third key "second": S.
{"hour": 9, "minute": 15}
